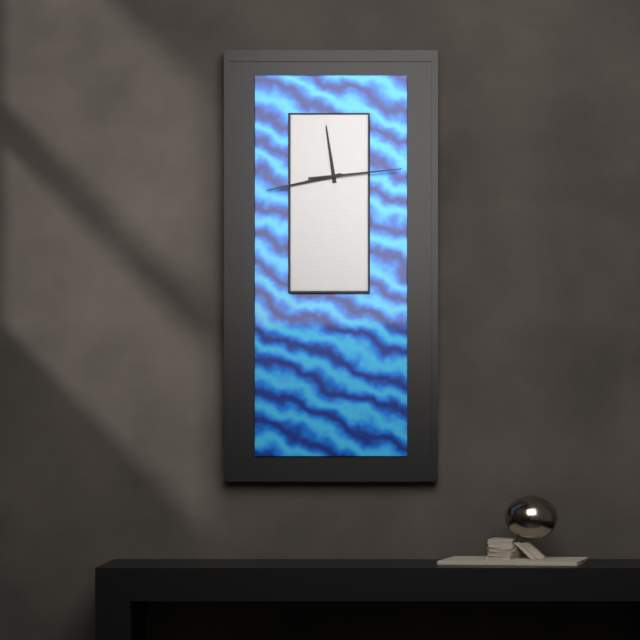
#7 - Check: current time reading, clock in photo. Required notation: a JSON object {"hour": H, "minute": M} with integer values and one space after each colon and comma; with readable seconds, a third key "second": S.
{"hour": 11, "minute": 43, "second": 14}
